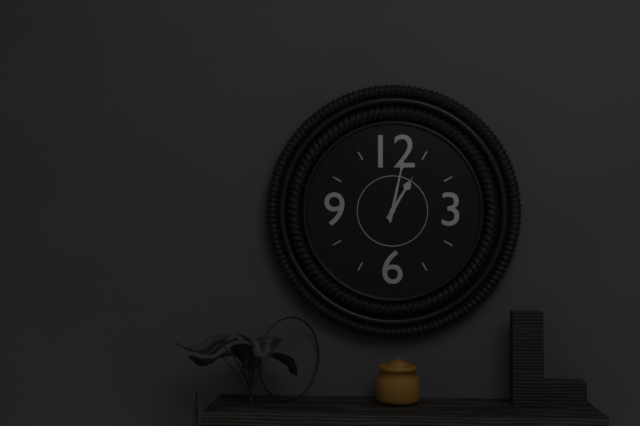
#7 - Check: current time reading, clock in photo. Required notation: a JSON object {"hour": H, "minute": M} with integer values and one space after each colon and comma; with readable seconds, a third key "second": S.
{"hour": 1, "minute": 2}
